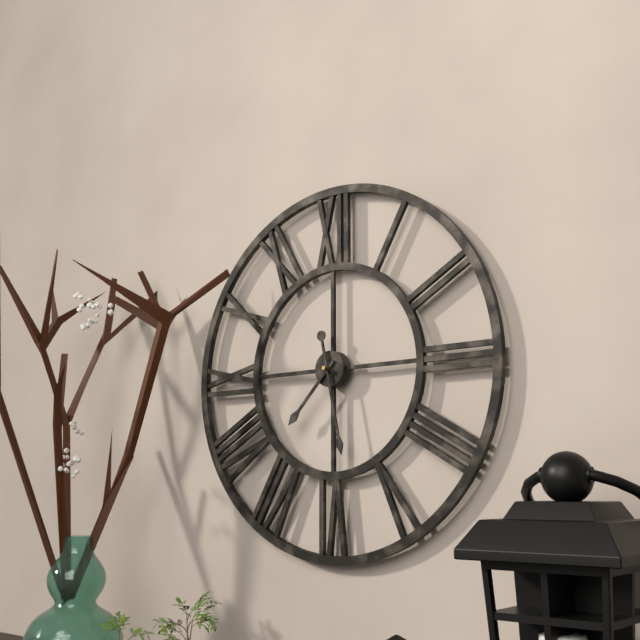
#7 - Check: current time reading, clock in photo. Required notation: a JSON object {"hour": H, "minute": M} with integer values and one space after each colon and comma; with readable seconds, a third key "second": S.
{"hour": 7, "minute": 28}
